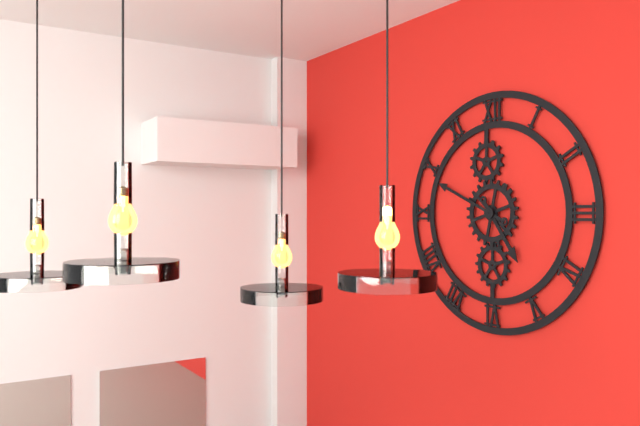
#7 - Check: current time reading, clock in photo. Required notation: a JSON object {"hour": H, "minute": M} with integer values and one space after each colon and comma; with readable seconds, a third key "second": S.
{"hour": 4, "minute": 49}
